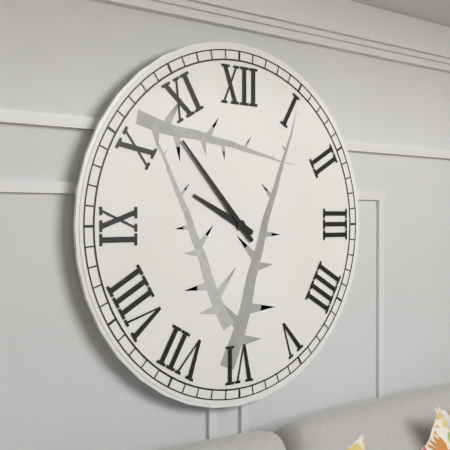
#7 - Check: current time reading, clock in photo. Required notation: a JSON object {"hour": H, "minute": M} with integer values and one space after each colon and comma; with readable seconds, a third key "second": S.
{"hour": 9, "minute": 53}
